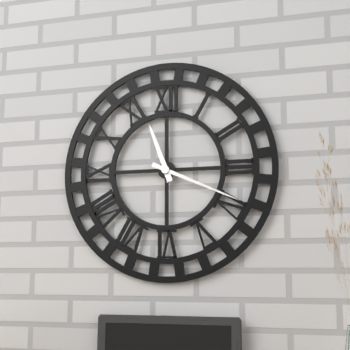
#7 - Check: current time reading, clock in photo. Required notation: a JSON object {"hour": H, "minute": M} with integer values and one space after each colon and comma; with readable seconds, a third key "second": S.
{"hour": 11, "minute": 19}
